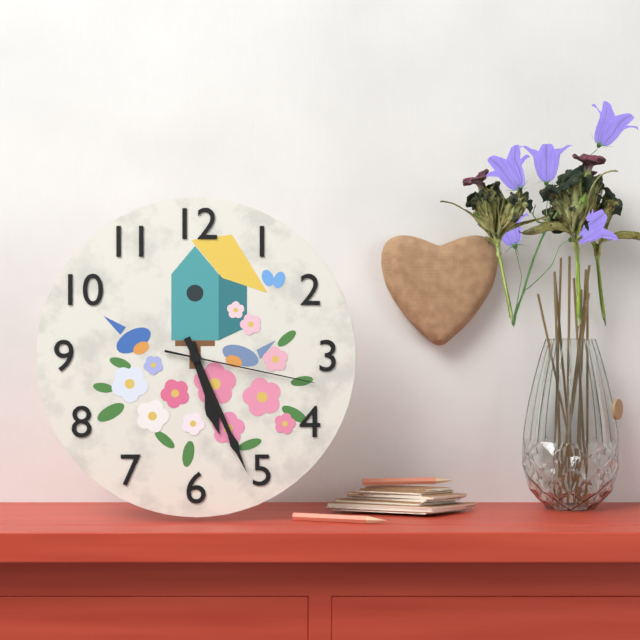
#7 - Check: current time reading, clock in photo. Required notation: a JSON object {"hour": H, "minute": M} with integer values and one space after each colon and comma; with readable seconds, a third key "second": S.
{"hour": 5, "minute": 26, "second": 17}
